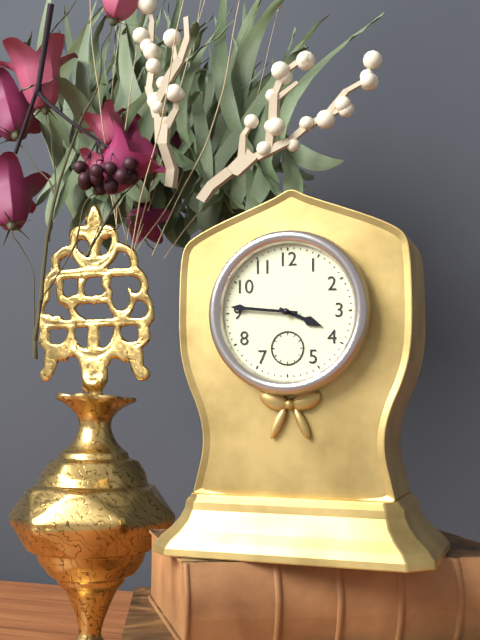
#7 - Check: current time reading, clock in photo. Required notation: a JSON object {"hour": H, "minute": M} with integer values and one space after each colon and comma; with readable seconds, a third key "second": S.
{"hour": 3, "minute": 46}
